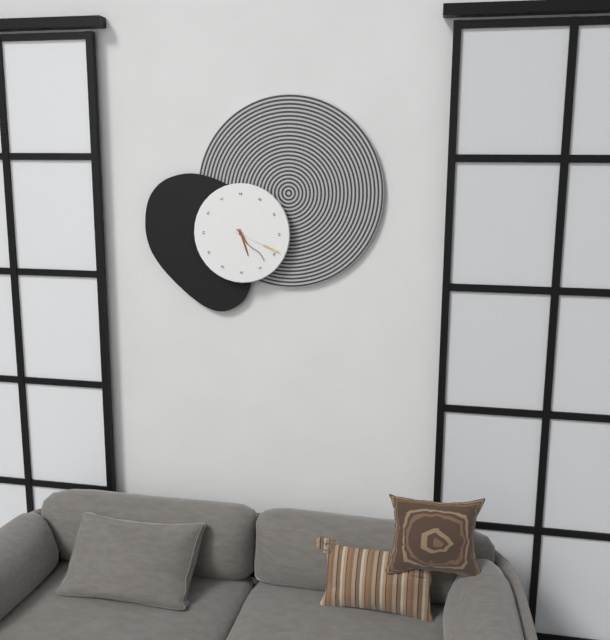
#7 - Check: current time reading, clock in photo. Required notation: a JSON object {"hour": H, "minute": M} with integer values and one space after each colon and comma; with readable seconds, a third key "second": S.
{"hour": 5, "minute": 23}
